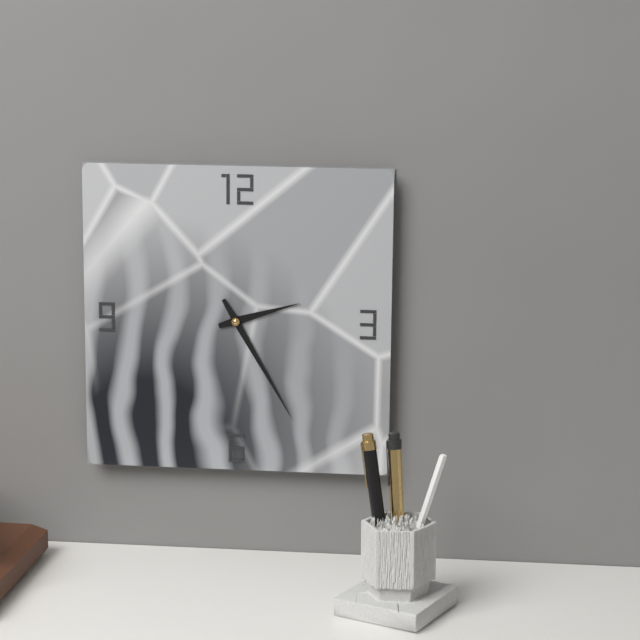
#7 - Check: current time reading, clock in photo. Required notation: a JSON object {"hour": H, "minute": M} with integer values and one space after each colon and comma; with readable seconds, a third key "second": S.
{"hour": 2, "minute": 25}
